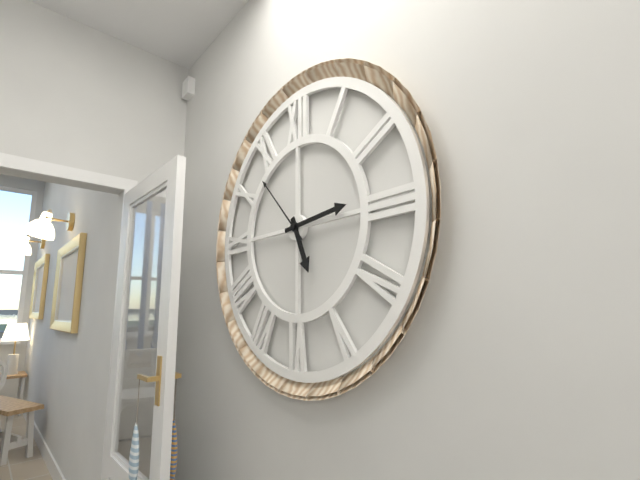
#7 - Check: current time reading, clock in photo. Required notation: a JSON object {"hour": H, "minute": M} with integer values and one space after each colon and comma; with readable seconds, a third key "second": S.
{"hour": 5, "minute": 14, "second": 53}
